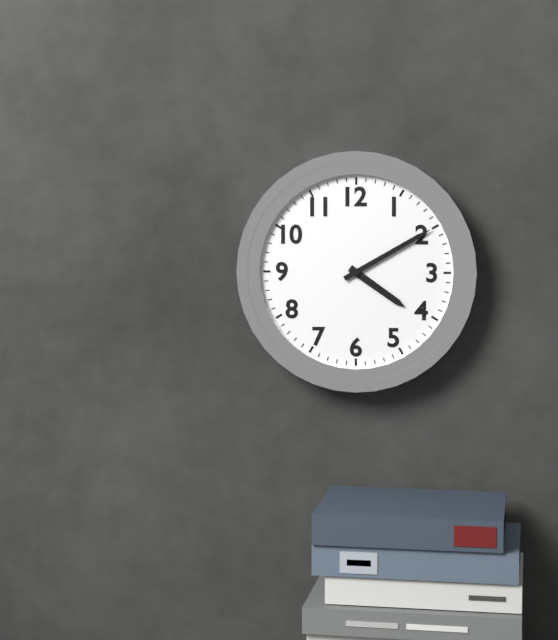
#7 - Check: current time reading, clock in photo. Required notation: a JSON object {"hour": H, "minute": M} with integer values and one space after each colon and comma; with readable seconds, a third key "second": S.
{"hour": 4, "minute": 10}
